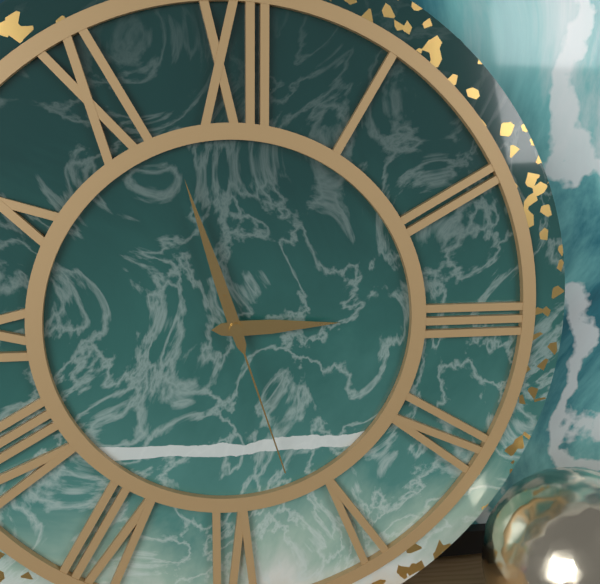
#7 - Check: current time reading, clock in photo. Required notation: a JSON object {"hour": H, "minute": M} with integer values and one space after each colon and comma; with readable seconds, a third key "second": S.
{"hour": 2, "minute": 57, "second": 27}
